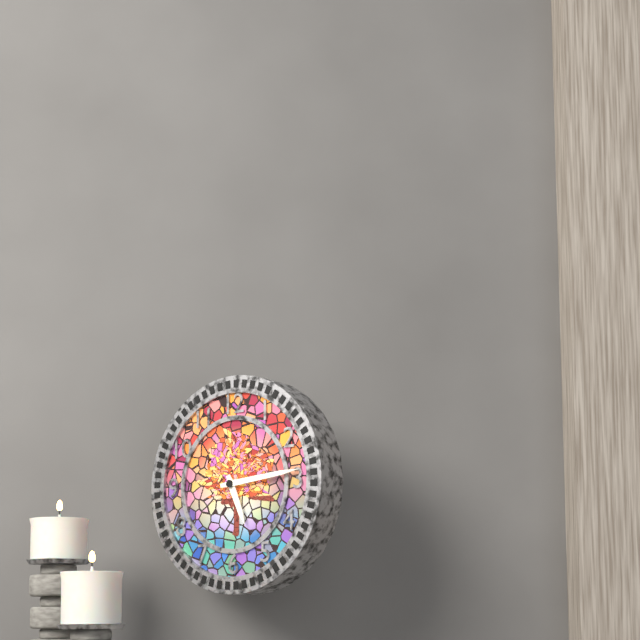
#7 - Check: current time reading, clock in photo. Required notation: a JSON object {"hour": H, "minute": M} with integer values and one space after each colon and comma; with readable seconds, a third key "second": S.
{"hour": 5, "minute": 14}
